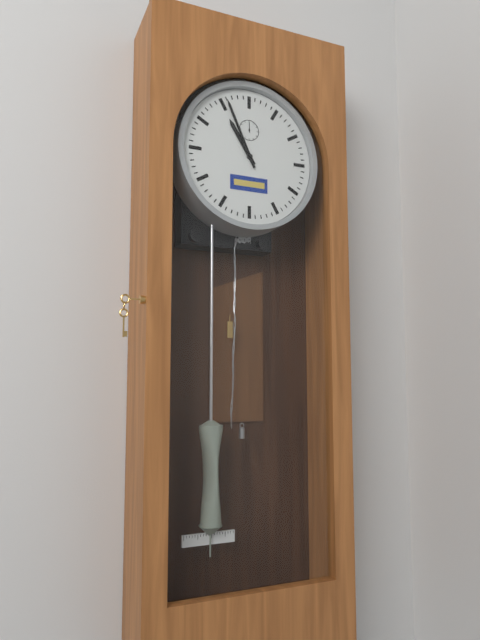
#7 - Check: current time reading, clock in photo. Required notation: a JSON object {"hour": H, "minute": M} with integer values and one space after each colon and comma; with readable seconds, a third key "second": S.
{"hour": 10, "minute": 56}
